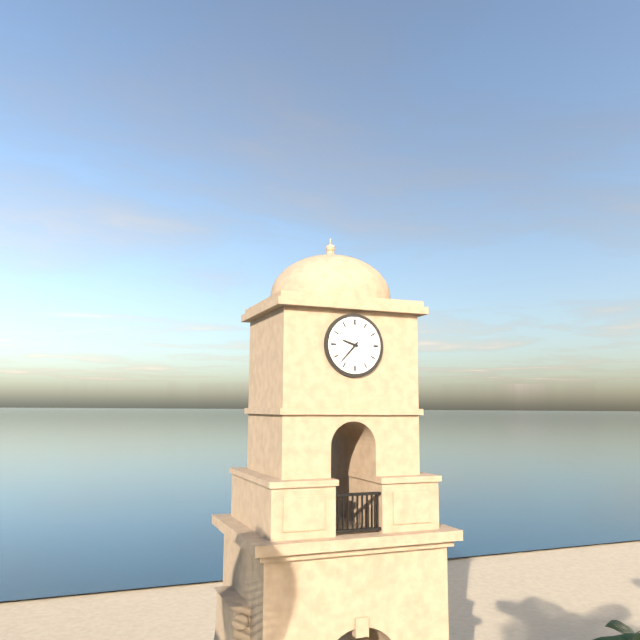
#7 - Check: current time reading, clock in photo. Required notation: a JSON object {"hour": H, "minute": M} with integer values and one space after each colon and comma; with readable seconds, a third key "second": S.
{"hour": 9, "minute": 37}
